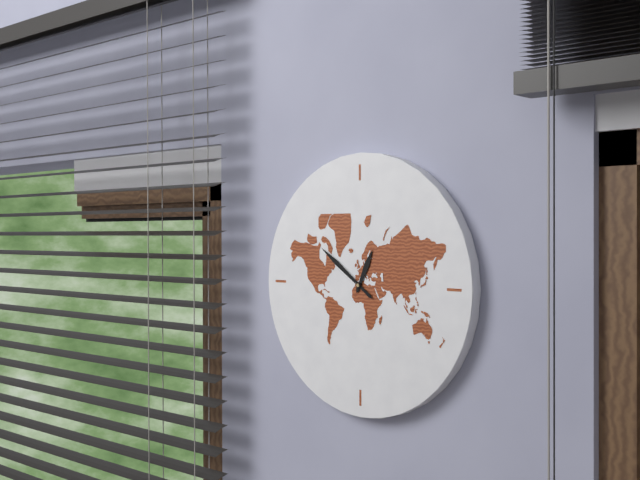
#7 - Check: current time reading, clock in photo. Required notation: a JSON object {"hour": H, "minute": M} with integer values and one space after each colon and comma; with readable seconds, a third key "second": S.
{"hour": 12, "minute": 51}
